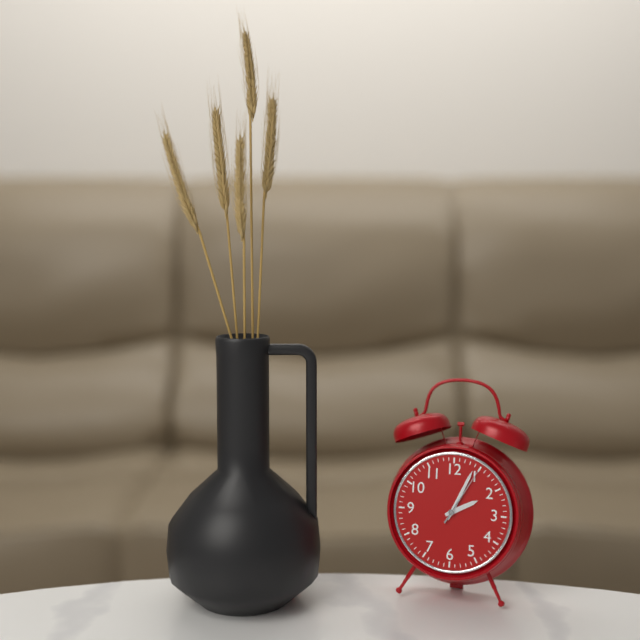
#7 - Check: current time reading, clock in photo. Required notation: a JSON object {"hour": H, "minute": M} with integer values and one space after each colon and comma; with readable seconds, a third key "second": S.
{"hour": 2, "minute": 4, "second": 5}
